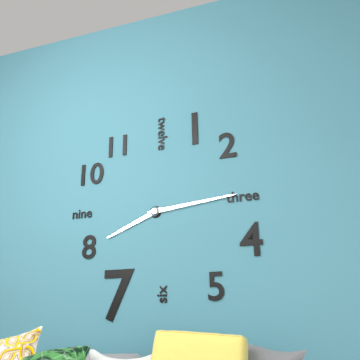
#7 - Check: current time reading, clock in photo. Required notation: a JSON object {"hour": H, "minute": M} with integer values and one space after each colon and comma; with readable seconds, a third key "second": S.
{"hour": 8, "minute": 14}
